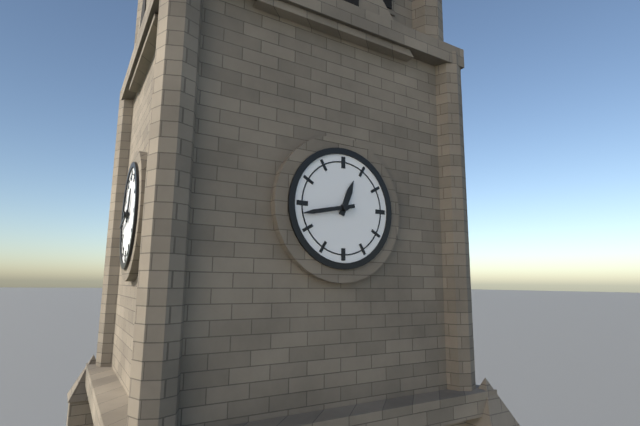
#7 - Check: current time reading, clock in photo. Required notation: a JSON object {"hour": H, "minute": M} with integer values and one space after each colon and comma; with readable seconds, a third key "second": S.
{"hour": 12, "minute": 43}
